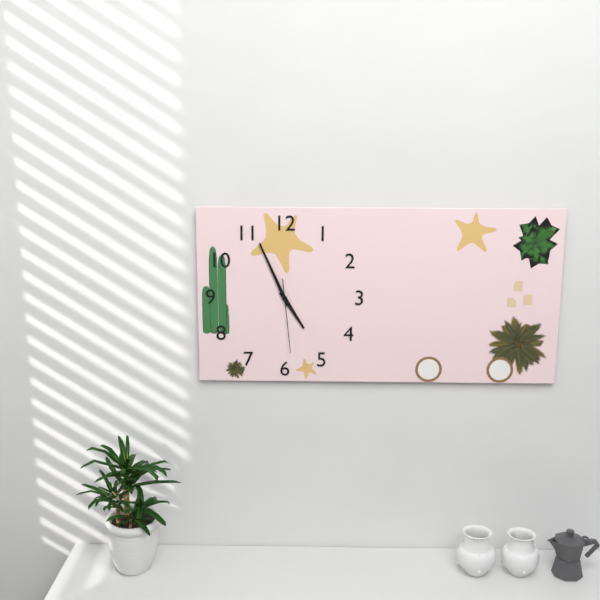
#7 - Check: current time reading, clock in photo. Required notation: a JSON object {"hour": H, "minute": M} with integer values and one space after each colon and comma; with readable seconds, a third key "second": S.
{"hour": 4, "minute": 56, "second": 29}
